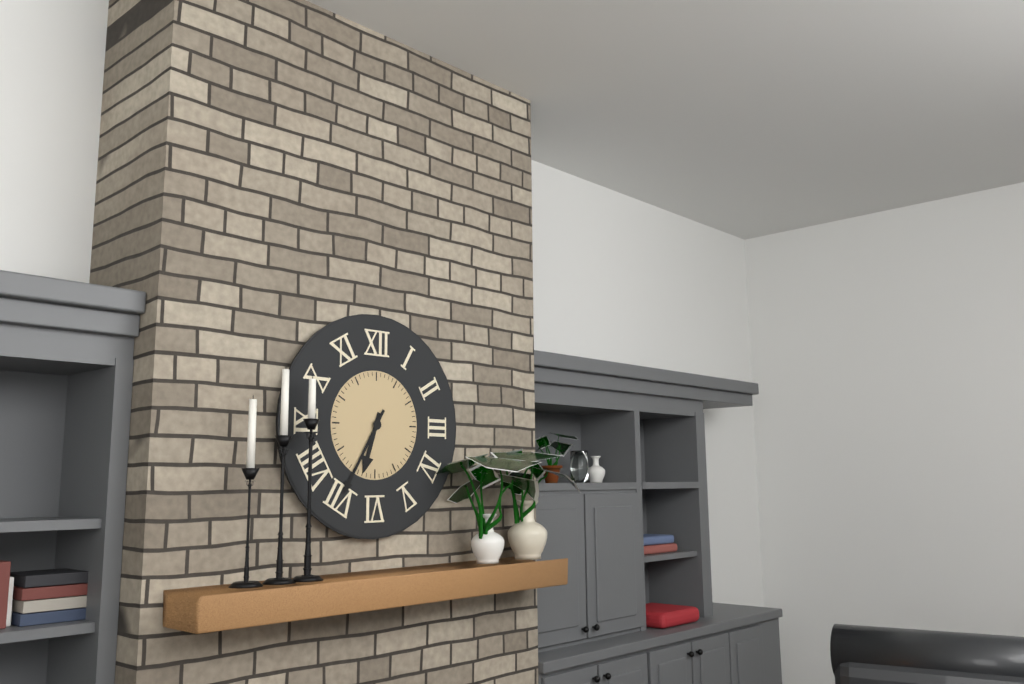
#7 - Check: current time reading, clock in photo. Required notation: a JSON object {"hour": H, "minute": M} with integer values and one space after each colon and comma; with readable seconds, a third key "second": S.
{"hour": 6, "minute": 35}
